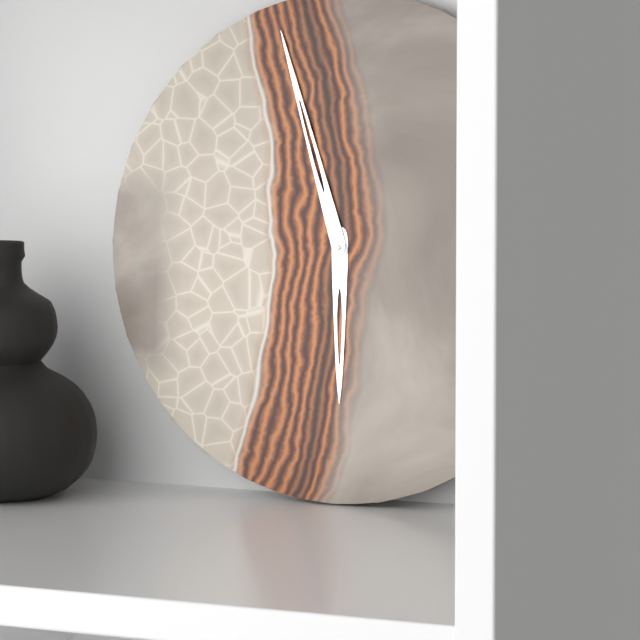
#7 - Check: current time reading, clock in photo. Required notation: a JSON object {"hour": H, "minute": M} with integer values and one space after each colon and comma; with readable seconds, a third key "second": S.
{"hour": 5, "minute": 57}
